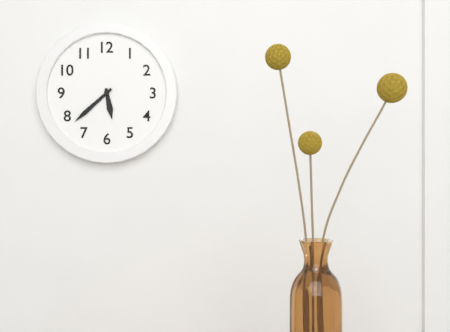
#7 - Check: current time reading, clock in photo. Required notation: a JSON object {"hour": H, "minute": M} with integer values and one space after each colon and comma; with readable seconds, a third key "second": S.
{"hour": 5, "minute": 38}
